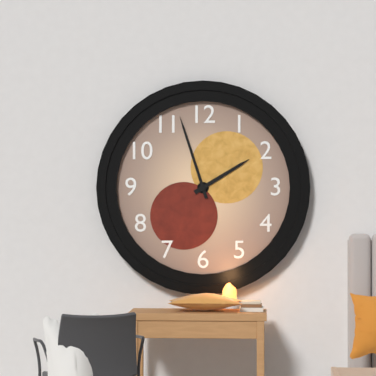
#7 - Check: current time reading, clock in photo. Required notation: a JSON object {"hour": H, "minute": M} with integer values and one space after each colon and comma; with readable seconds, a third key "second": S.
{"hour": 1, "minute": 57}
